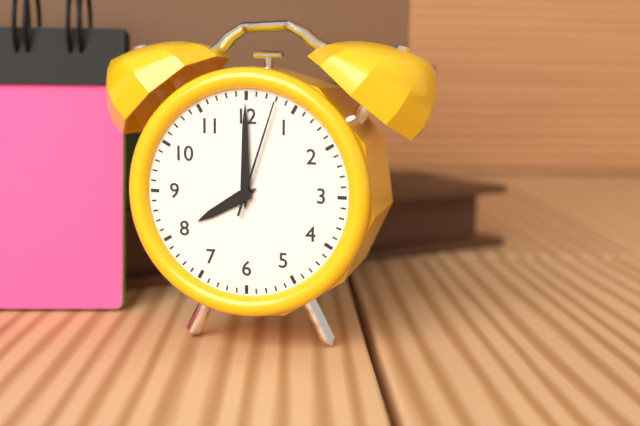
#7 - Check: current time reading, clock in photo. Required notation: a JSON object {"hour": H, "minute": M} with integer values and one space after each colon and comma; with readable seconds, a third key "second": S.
{"hour": 8, "minute": 0, "second": 3}
